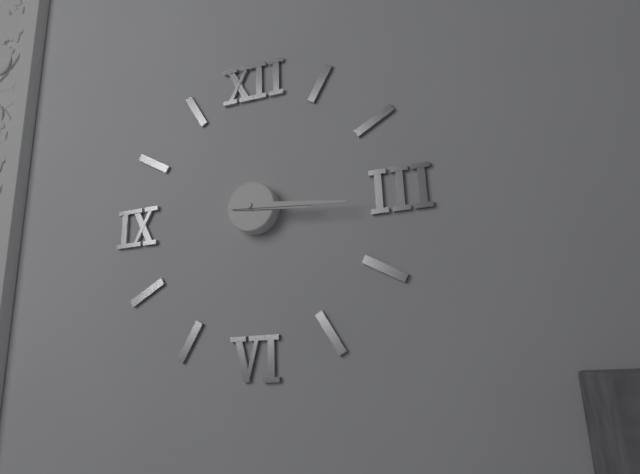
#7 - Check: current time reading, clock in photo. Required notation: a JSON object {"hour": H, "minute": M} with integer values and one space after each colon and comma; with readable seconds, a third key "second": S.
{"hour": 3, "minute": 16}
